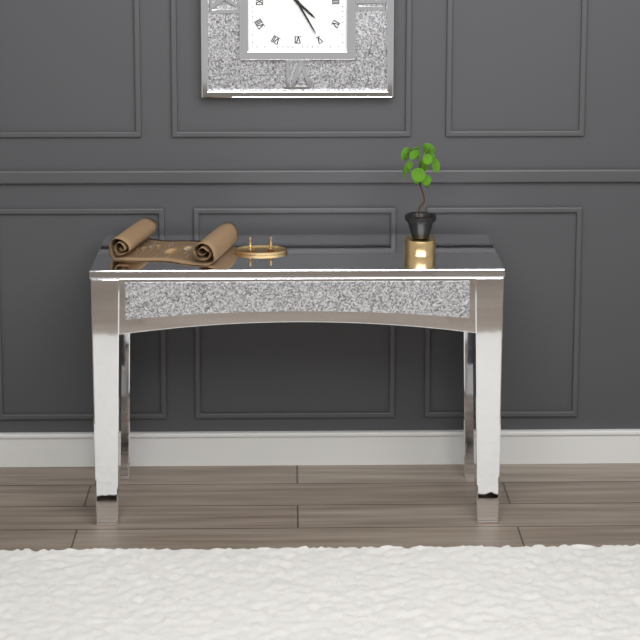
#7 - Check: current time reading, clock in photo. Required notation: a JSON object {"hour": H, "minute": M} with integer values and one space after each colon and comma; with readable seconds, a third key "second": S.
{"hour": 4, "minute": 25}
